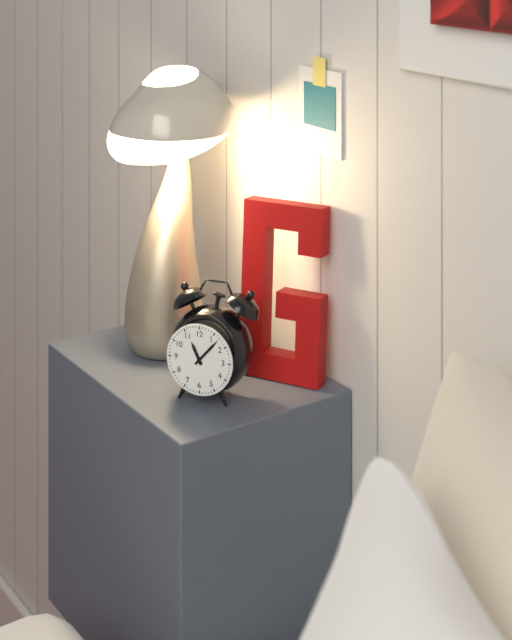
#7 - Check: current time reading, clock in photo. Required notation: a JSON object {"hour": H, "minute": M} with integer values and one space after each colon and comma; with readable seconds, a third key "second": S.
{"hour": 11, "minute": 7}
